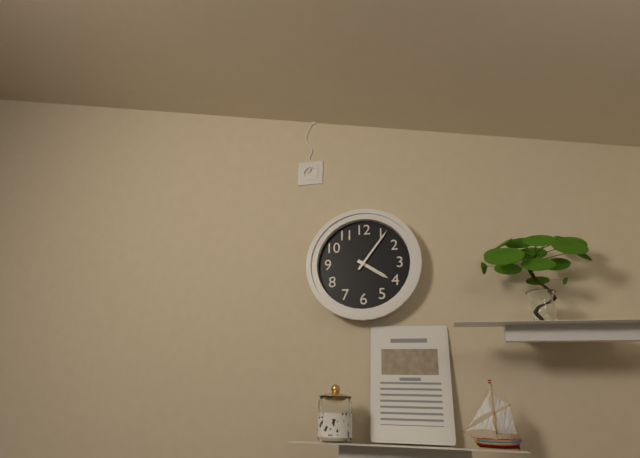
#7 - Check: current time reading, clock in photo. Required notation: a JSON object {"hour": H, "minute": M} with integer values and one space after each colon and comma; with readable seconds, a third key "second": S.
{"hour": 4, "minute": 6}
